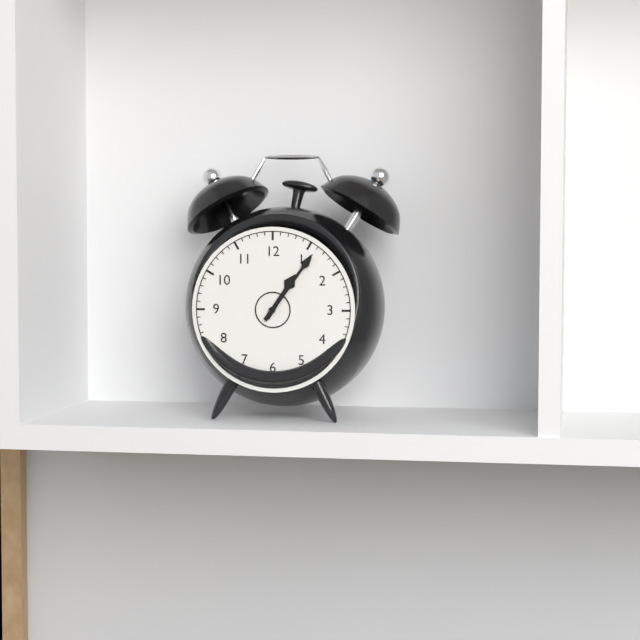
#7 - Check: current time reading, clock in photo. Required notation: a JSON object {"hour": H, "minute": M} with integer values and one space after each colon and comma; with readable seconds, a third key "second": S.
{"hour": 1, "minute": 6}
